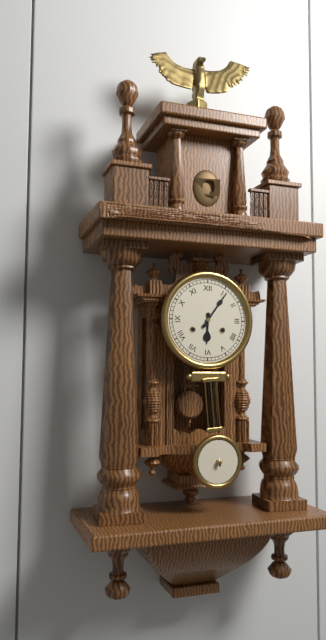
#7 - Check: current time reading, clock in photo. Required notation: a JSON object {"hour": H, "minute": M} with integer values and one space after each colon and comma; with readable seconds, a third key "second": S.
{"hour": 6, "minute": 6}
